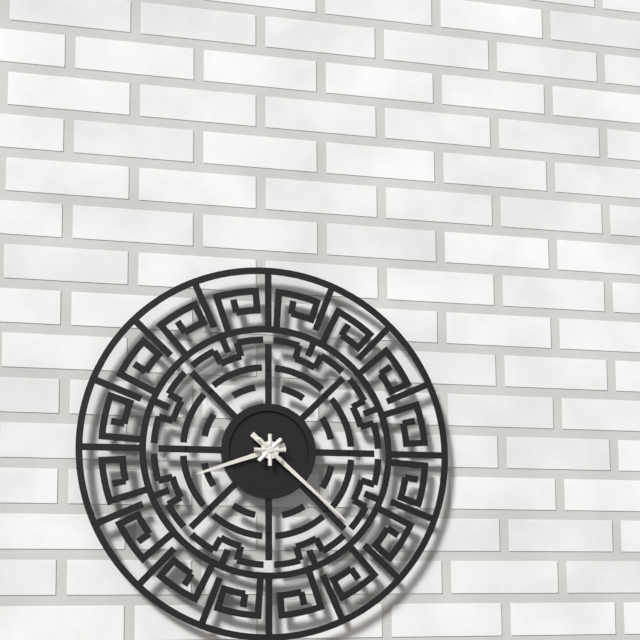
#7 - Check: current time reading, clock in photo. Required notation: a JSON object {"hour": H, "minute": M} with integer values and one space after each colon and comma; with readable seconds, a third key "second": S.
{"hour": 8, "minute": 22}
